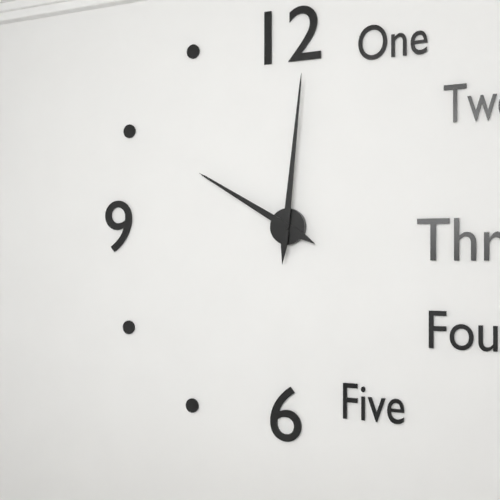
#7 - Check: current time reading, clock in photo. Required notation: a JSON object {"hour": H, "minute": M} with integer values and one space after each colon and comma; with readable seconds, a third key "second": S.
{"hour": 10, "minute": 1}
